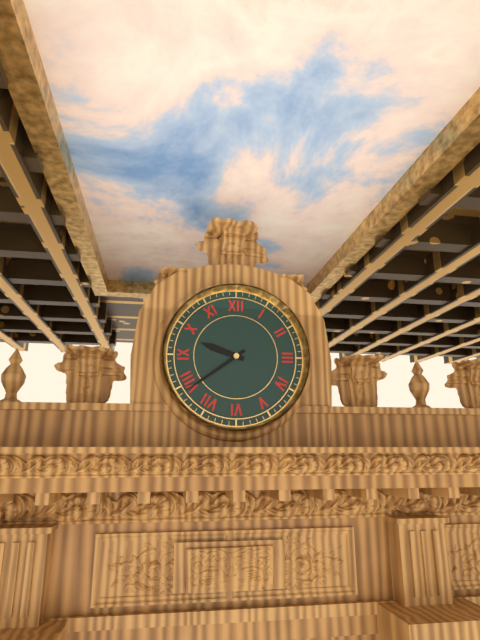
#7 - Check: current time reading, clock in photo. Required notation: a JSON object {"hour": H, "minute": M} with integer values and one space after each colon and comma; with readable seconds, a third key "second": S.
{"hour": 9, "minute": 39}
